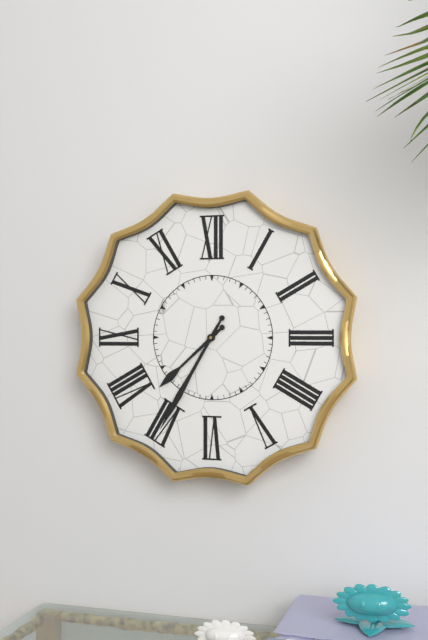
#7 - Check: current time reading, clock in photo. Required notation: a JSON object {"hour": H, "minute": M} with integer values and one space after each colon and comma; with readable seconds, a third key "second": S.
{"hour": 7, "minute": 35}
